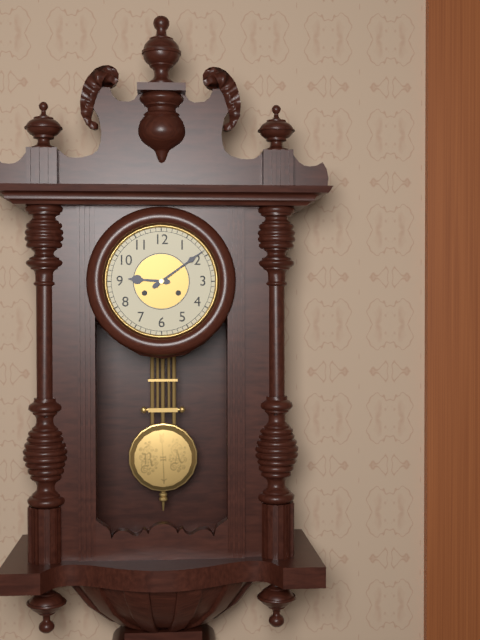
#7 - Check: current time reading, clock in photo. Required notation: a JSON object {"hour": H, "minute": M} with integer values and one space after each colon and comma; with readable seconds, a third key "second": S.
{"hour": 9, "minute": 9}
